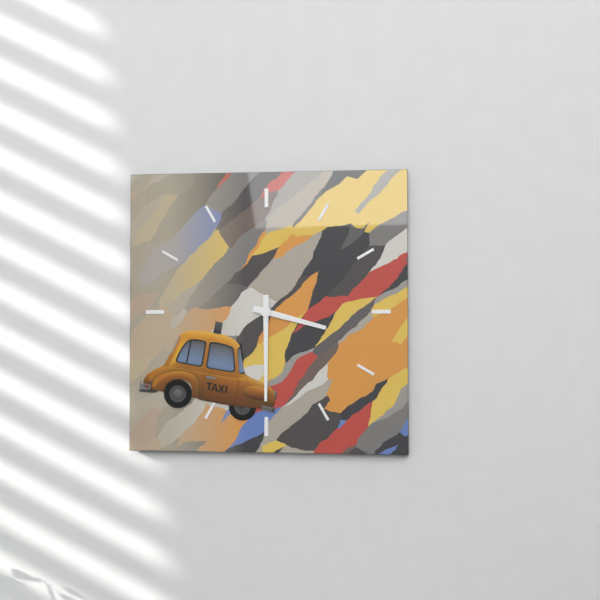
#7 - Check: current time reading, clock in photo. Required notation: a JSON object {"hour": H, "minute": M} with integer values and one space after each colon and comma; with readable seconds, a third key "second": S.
{"hour": 3, "minute": 30}
